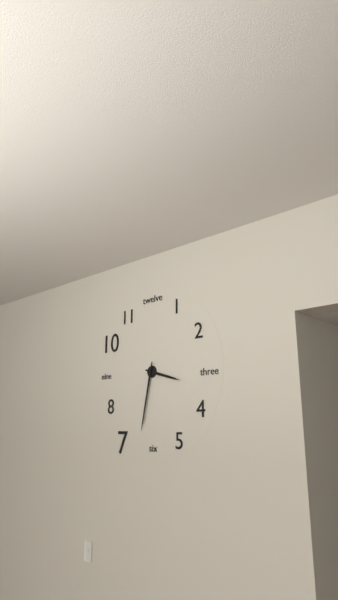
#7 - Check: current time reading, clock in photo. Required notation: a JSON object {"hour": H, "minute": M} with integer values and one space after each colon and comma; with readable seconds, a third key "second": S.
{"hour": 3, "minute": 32}
